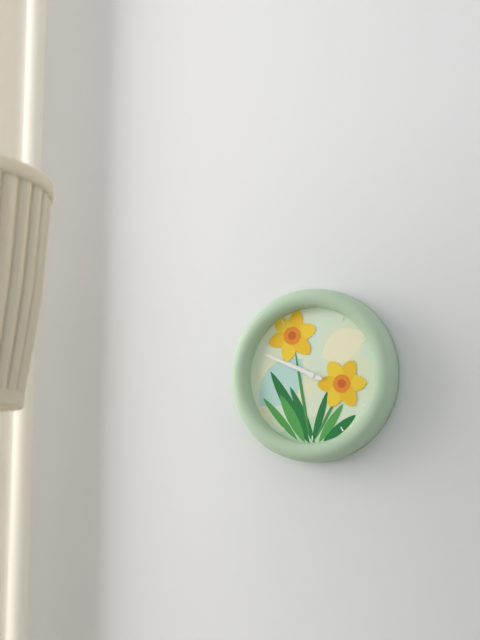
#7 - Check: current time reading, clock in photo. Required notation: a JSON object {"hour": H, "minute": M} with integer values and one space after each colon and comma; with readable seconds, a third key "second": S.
{"hour": 9, "minute": 49}
